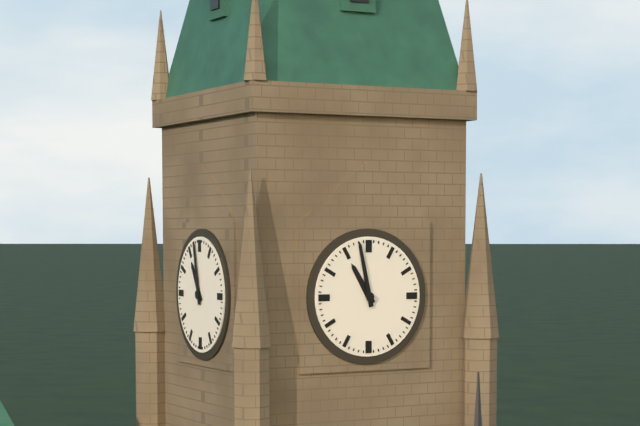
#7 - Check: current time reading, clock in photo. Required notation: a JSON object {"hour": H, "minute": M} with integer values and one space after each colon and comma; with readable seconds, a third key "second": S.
{"hour": 10, "minute": 58}
